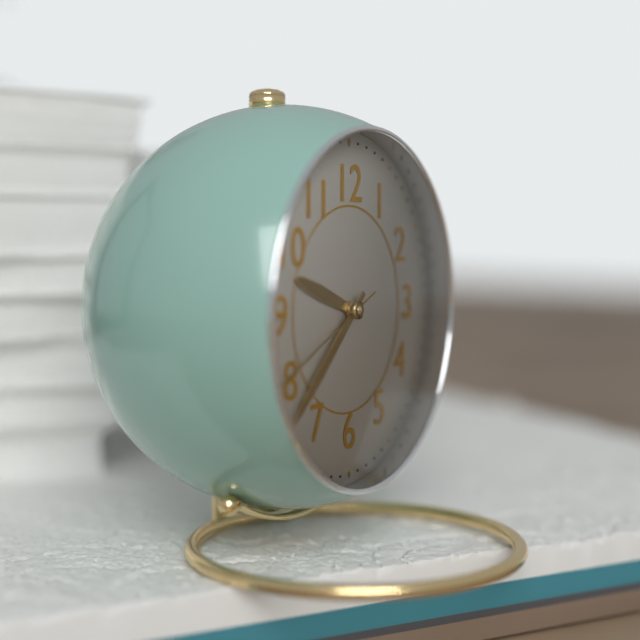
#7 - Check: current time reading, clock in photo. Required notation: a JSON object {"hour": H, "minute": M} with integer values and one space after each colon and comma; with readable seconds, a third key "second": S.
{"hour": 9, "minute": 38, "second": 41}
